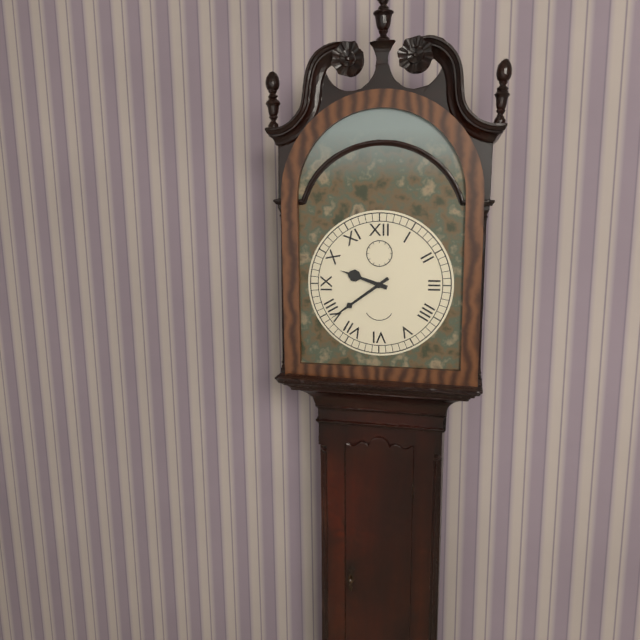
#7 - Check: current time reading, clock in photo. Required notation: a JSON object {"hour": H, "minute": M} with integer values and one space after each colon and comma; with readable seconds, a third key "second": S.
{"hour": 9, "minute": 39}
